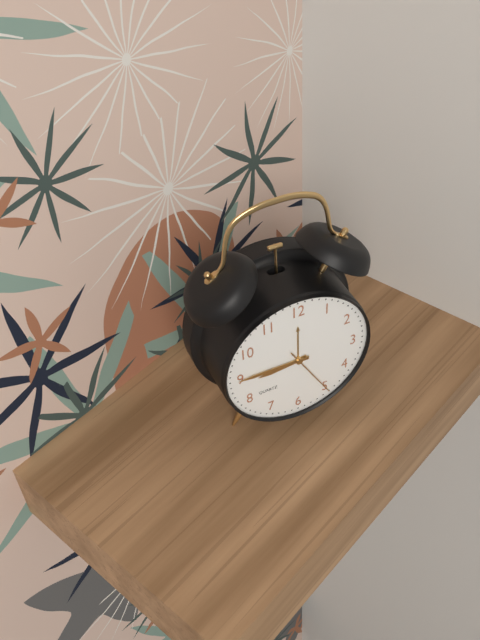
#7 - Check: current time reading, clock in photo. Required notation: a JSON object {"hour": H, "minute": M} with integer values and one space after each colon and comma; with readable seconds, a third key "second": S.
{"hour": 8, "minute": 45, "second": 25}
